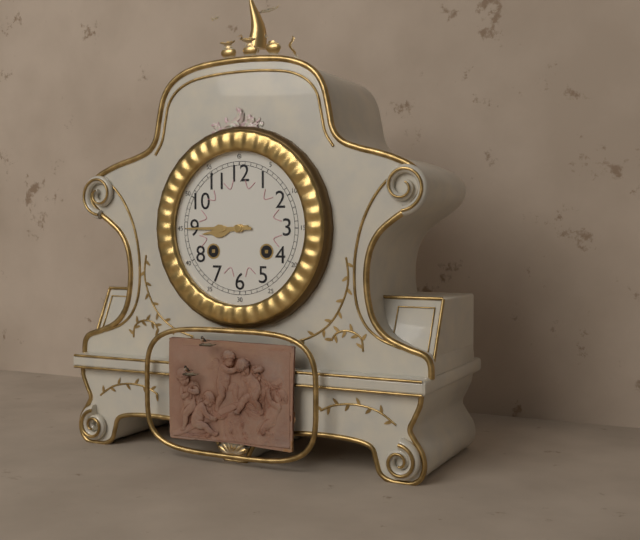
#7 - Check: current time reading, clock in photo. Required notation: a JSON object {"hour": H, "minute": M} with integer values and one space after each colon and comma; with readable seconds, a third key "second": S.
{"hour": 8, "minute": 45}
